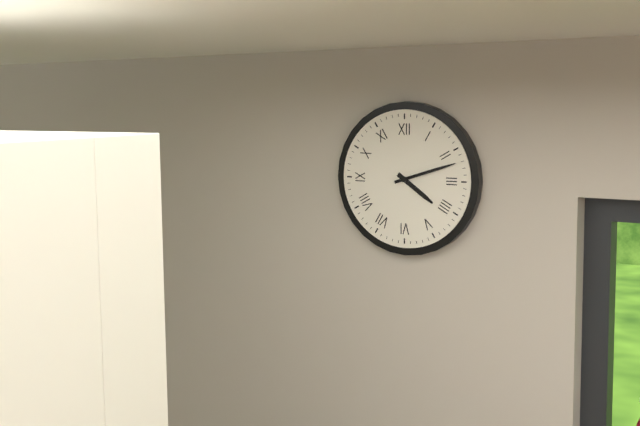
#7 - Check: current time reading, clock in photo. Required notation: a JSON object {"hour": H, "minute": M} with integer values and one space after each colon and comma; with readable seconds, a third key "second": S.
{"hour": 4, "minute": 12}
